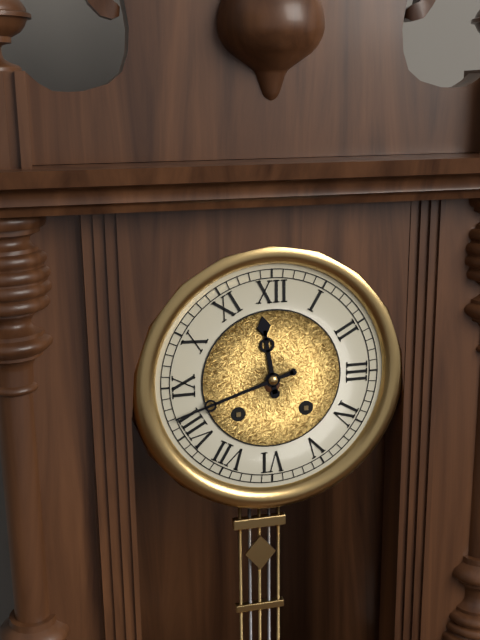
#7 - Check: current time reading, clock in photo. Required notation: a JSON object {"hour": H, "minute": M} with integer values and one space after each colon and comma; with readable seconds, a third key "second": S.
{"hour": 11, "minute": 42}
